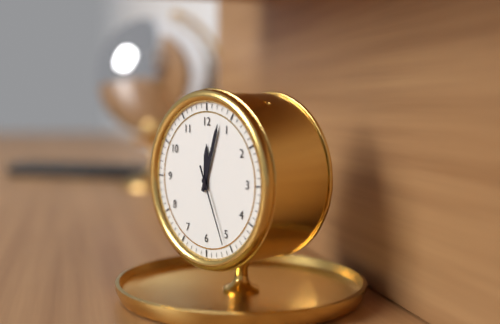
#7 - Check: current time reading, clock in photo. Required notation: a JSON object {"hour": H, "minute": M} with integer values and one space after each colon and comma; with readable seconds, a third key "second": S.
{"hour": 12, "minute": 3, "second": 26}
